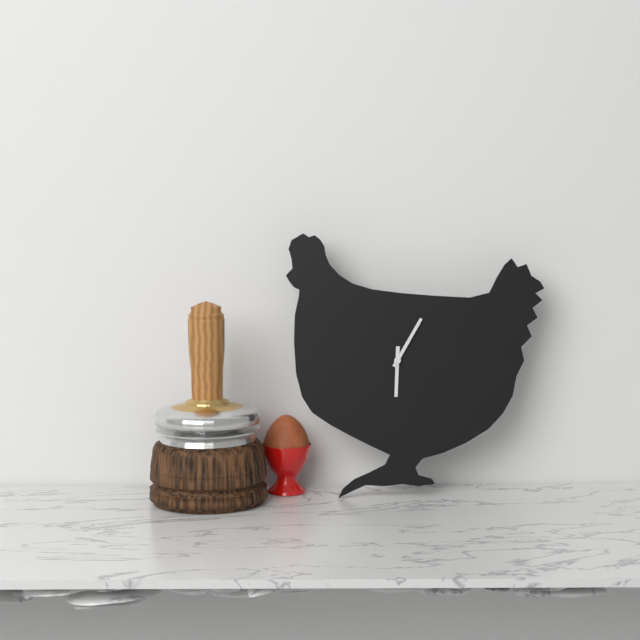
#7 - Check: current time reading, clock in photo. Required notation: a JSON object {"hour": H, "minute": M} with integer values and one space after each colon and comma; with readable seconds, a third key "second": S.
{"hour": 6, "minute": 5}
